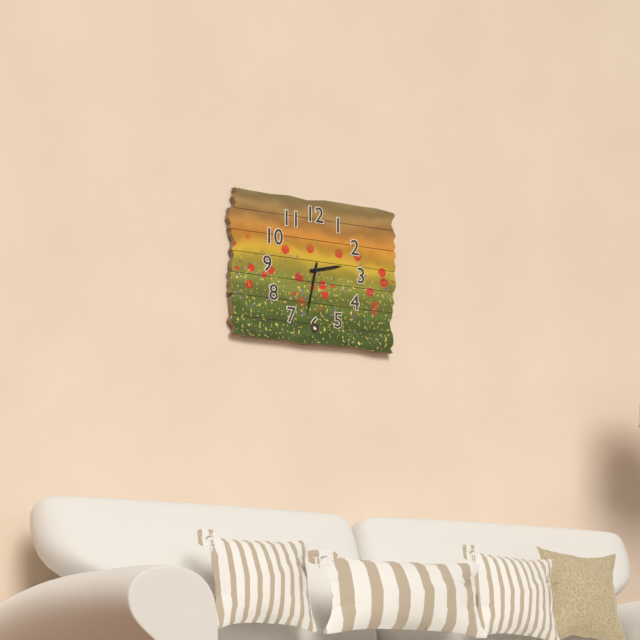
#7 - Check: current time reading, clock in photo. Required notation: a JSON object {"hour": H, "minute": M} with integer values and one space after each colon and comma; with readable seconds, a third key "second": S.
{"hour": 2, "minute": 32}
